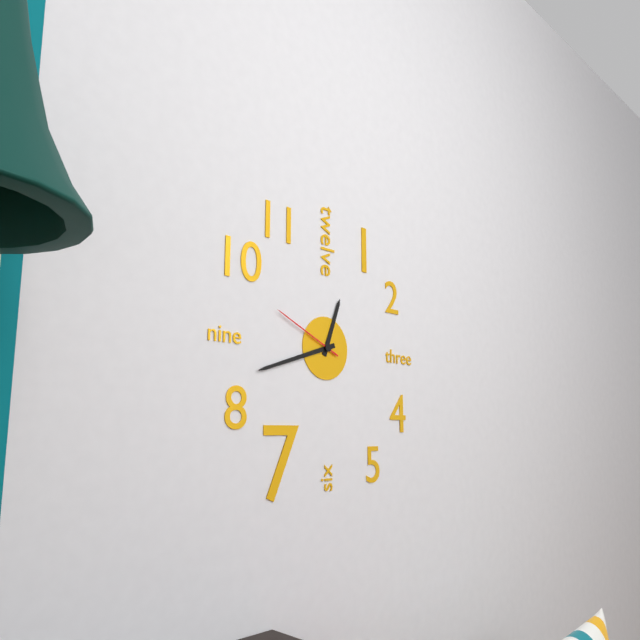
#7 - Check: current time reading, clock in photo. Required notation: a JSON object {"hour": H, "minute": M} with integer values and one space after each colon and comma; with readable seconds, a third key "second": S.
{"hour": 12, "minute": 42, "second": 49}
